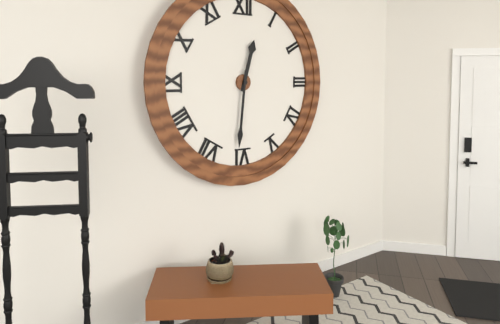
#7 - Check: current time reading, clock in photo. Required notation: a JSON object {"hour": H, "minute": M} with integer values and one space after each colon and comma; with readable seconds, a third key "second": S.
{"hour": 12, "minute": 31}
